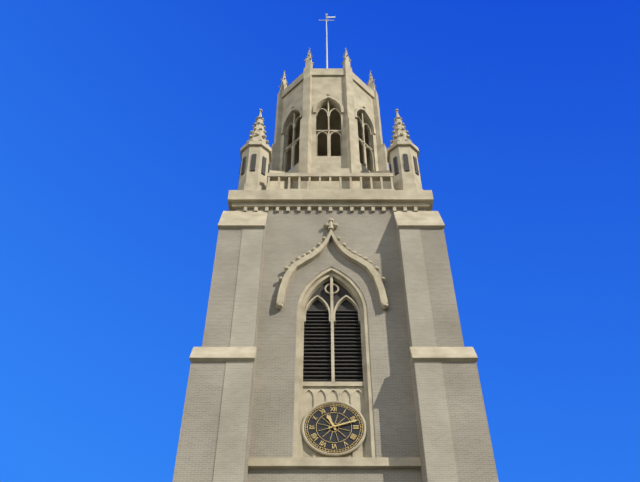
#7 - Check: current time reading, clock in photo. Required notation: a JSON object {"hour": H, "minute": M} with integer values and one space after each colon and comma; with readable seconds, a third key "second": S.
{"hour": 11, "minute": 12}
